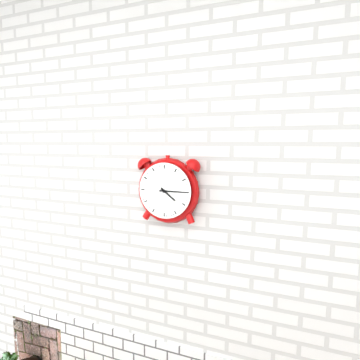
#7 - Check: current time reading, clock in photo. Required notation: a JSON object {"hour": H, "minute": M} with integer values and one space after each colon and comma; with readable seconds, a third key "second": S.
{"hour": 4, "minute": 15}
